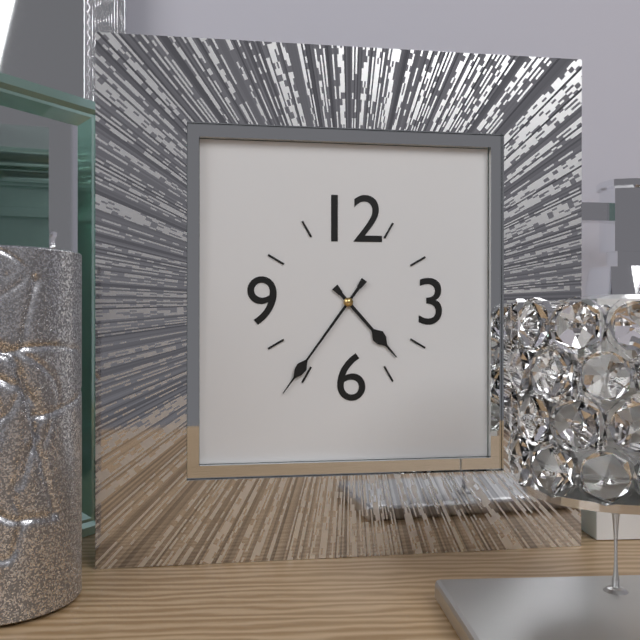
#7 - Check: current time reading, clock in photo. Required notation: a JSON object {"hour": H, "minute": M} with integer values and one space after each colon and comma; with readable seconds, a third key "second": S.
{"hour": 4, "minute": 36}
